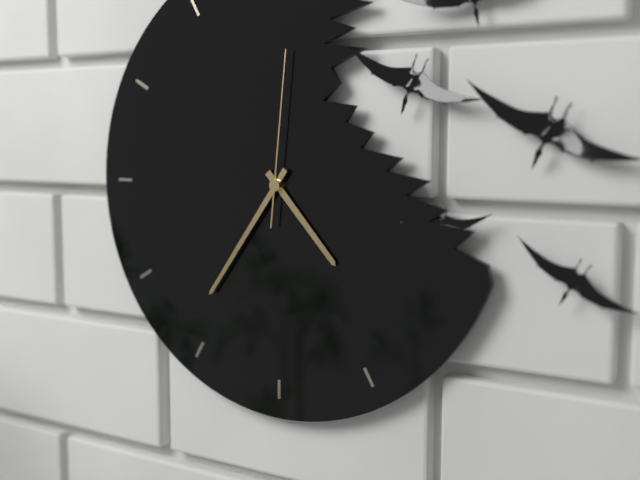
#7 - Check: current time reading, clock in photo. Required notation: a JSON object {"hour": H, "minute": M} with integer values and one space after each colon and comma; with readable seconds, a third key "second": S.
{"hour": 4, "minute": 36, "second": 1}
